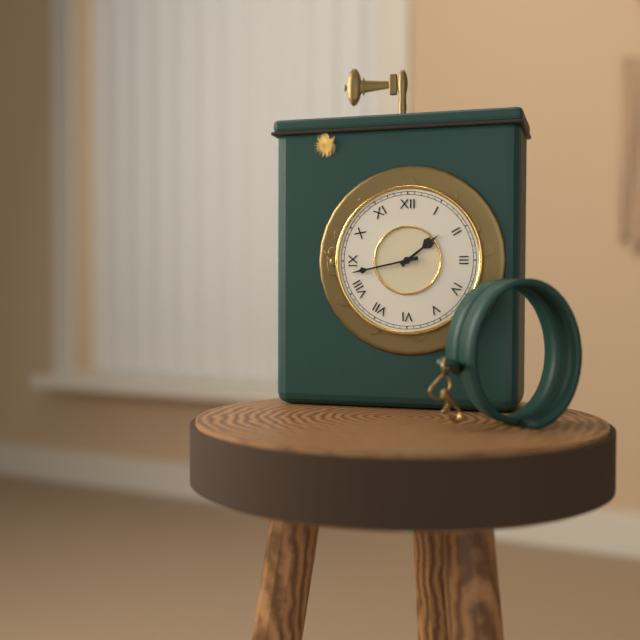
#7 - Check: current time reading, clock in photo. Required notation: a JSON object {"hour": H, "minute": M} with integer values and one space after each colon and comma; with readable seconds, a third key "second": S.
{"hour": 1, "minute": 43}
